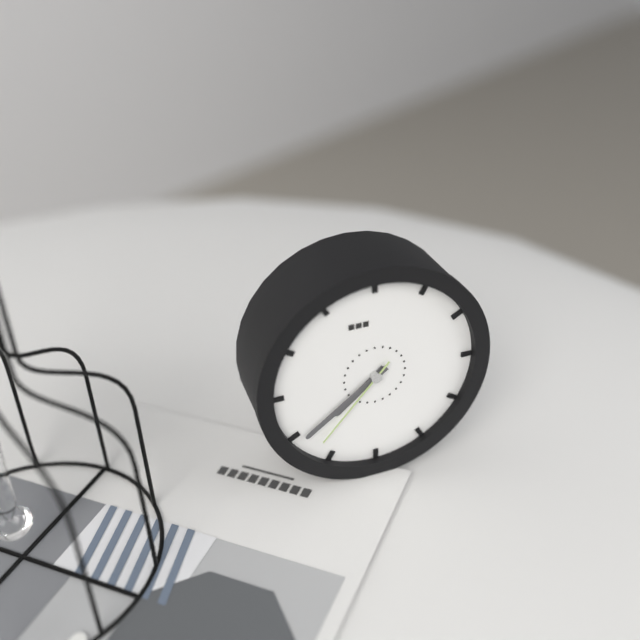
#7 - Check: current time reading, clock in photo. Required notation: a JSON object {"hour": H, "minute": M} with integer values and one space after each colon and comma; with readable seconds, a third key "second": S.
{"hour": 7, "minute": 39, "second": 37}
